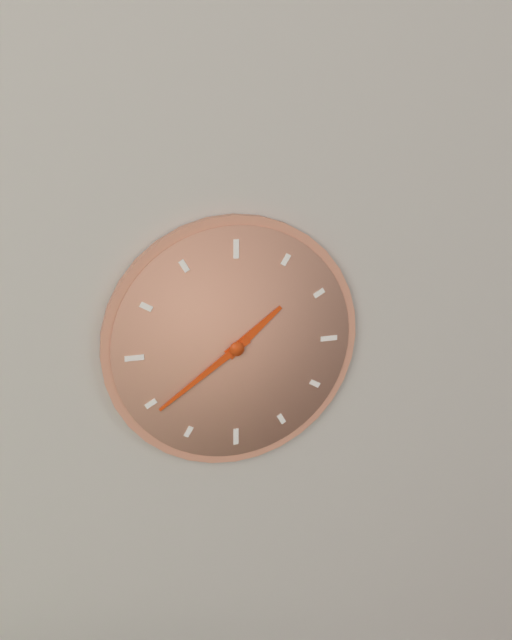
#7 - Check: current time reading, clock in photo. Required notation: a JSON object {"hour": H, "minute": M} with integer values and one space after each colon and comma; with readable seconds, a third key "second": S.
{"hour": 1, "minute": 39}
